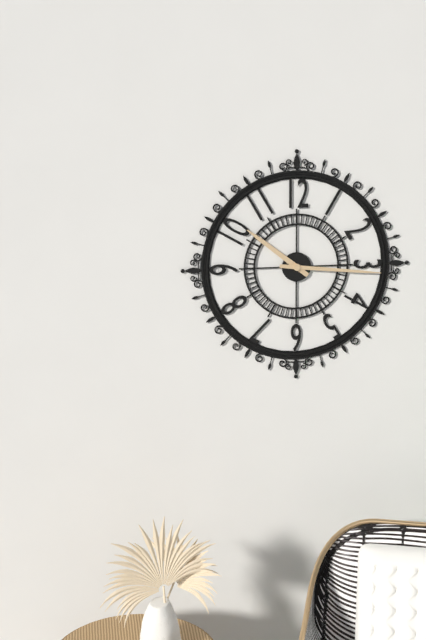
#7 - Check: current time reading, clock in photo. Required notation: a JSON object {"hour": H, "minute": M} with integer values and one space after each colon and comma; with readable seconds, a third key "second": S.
{"hour": 10, "minute": 16}
